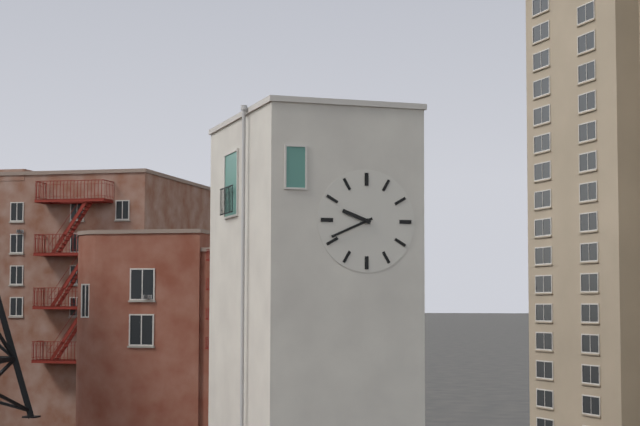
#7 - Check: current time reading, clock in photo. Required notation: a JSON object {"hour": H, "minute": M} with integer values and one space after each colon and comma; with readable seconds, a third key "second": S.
{"hour": 9, "minute": 41}
